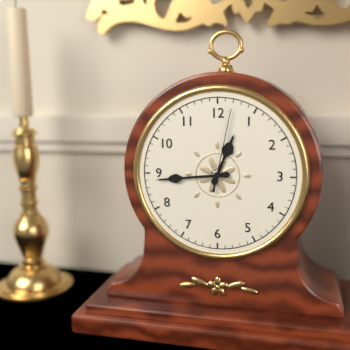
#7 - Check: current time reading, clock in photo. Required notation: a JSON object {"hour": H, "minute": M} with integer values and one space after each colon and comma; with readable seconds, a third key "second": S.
{"hour": 12, "minute": 44, "second": 2}
